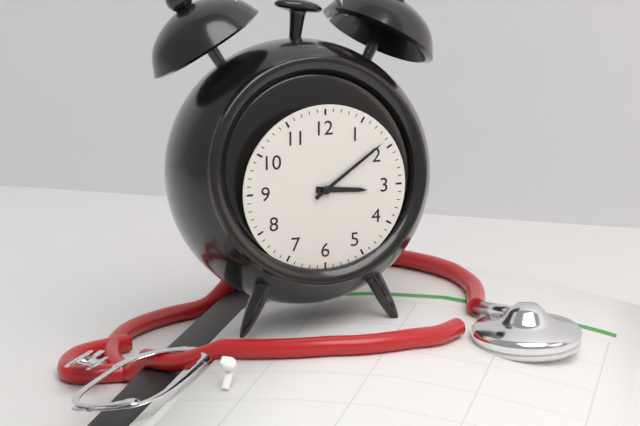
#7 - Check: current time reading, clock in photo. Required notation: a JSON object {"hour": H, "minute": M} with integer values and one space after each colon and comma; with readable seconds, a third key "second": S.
{"hour": 3, "minute": 9}
